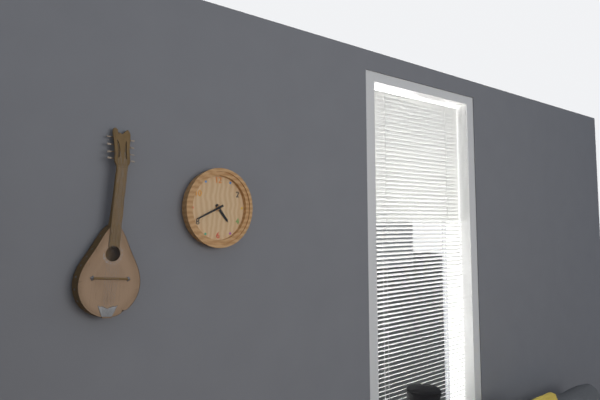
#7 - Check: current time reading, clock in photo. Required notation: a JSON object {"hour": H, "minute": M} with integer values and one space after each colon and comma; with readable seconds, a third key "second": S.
{"hour": 4, "minute": 41}
